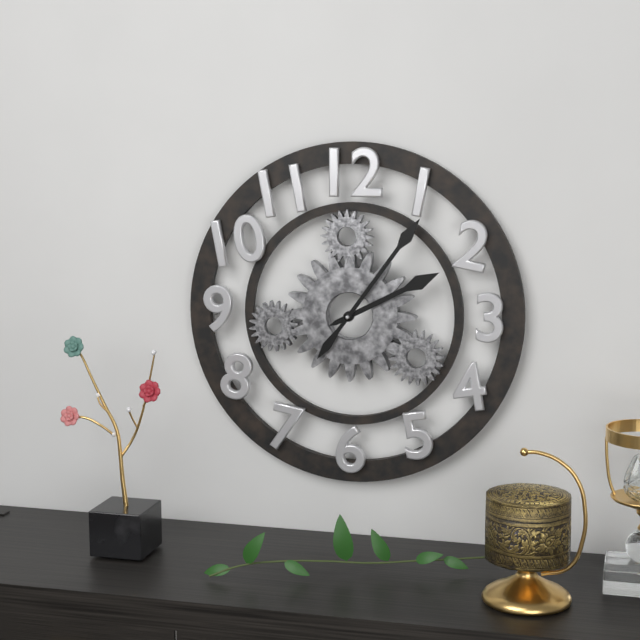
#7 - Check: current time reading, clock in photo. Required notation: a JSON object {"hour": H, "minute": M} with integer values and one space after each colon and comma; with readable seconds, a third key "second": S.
{"hour": 2, "minute": 6}
